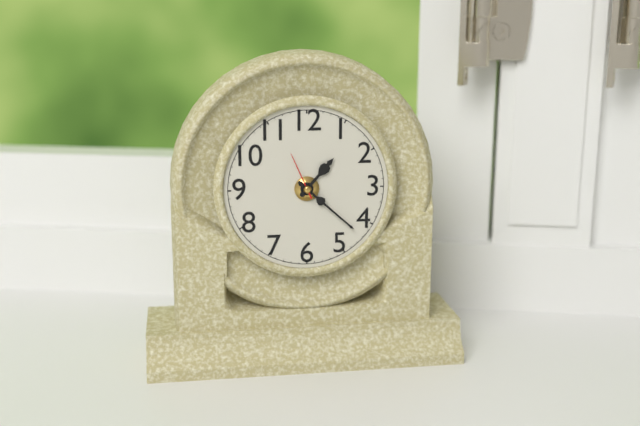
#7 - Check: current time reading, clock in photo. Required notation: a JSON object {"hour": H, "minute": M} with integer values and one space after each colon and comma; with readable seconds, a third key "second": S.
{"hour": 1, "minute": 22, "second": 56}
